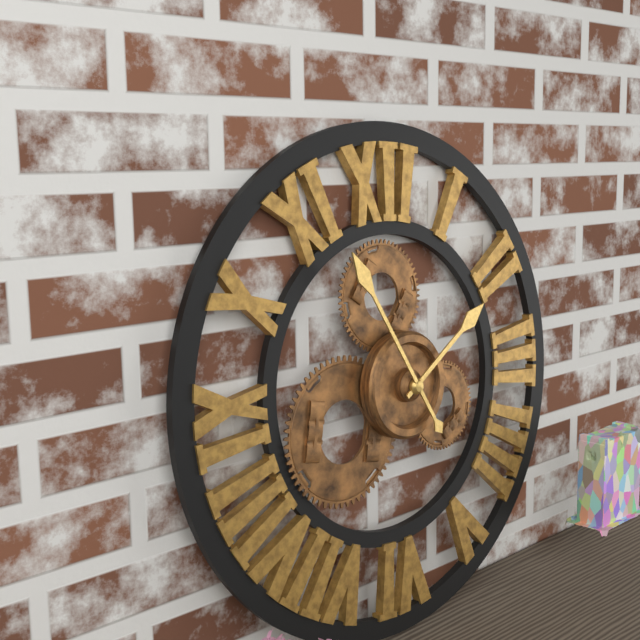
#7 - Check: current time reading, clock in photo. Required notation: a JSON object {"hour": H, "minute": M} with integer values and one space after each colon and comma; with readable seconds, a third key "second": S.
{"hour": 1, "minute": 55}
